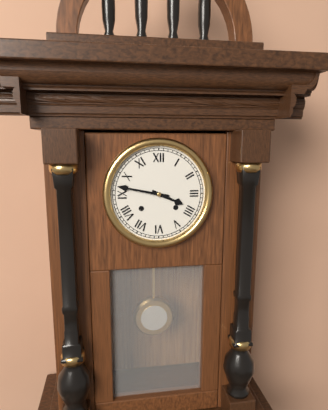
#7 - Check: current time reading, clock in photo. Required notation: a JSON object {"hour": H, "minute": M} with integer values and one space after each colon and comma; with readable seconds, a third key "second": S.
{"hour": 3, "minute": 47}
